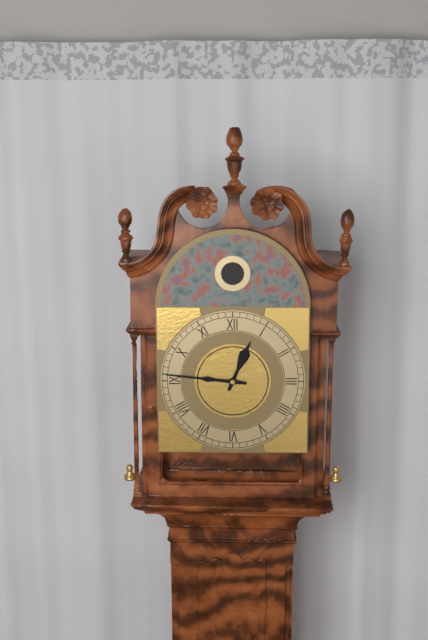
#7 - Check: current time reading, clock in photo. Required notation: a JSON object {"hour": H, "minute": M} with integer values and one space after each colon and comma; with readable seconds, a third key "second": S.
{"hour": 12, "minute": 46}
